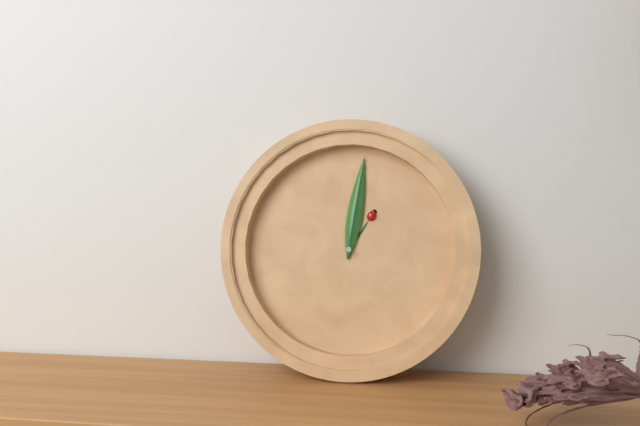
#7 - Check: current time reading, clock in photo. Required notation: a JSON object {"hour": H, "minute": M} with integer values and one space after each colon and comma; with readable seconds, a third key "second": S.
{"hour": 1, "minute": 1}
